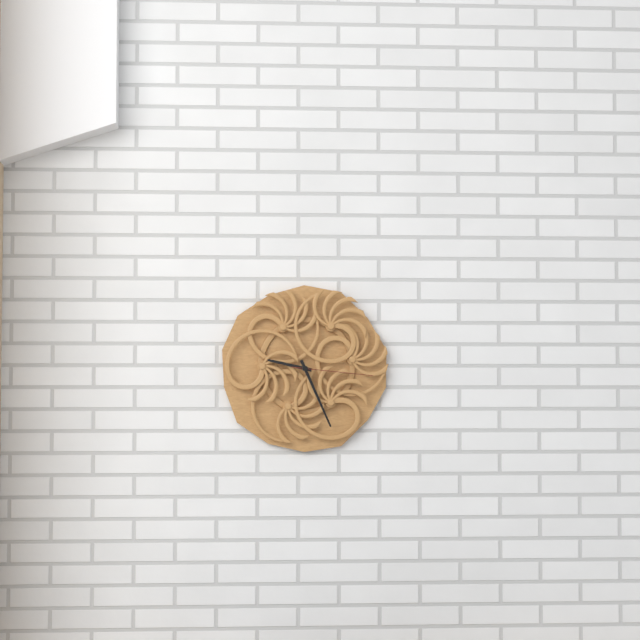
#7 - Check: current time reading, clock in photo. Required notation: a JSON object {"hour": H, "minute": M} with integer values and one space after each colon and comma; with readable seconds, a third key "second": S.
{"hour": 9, "minute": 26, "second": 16}
